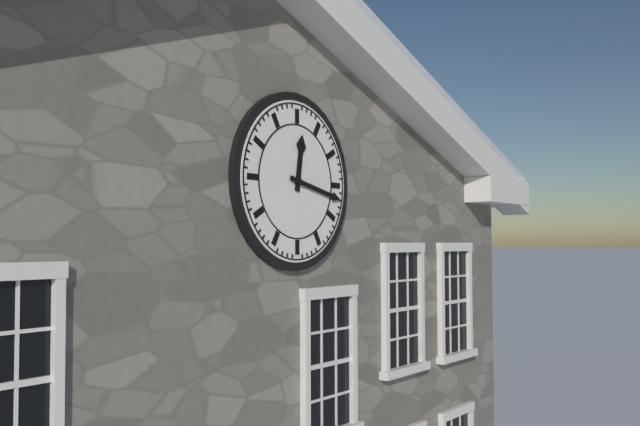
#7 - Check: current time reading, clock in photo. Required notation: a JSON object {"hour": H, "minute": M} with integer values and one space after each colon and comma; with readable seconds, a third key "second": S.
{"hour": 12, "minute": 17}
